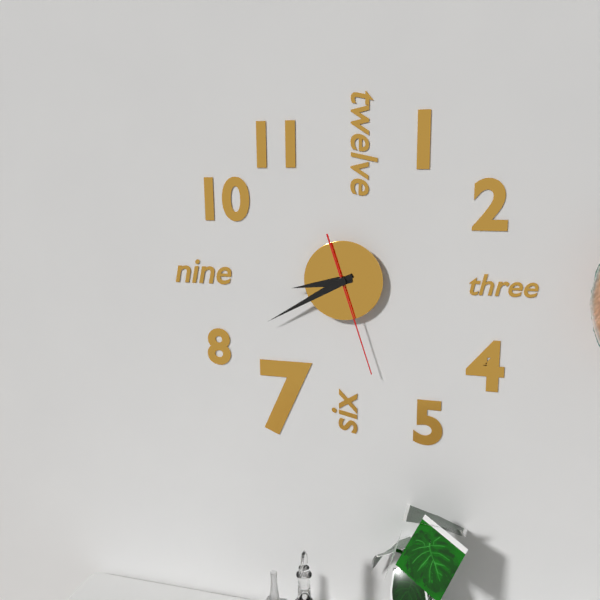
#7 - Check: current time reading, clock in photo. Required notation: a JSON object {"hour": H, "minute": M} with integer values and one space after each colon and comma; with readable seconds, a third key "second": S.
{"hour": 8, "minute": 40, "second": 27}
